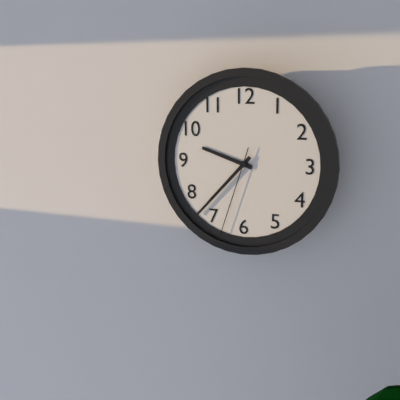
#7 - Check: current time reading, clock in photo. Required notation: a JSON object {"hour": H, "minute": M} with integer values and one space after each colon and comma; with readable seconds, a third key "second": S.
{"hour": 9, "minute": 37, "second": 33}
